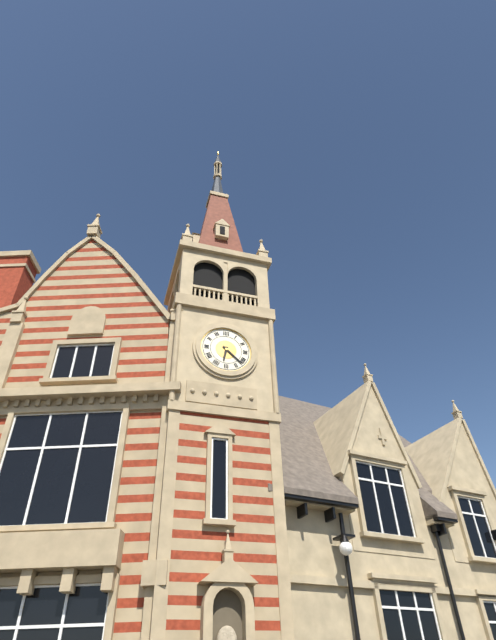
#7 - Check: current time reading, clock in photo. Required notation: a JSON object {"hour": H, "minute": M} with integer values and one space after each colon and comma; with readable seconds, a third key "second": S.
{"hour": 6, "minute": 22}
